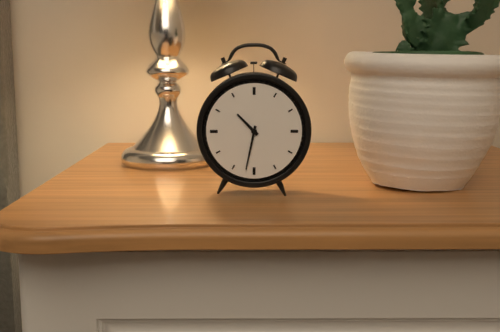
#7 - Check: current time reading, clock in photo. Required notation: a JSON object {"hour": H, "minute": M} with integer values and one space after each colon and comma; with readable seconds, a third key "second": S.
{"hour": 10, "minute": 32}
